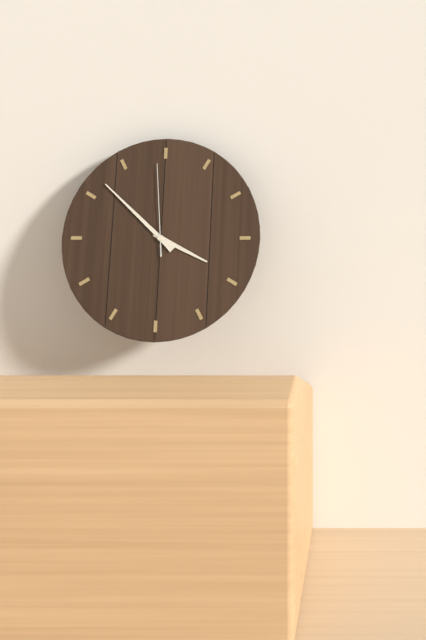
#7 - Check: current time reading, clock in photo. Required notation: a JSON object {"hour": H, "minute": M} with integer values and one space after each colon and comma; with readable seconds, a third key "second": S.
{"hour": 3, "minute": 52, "second": 59}
